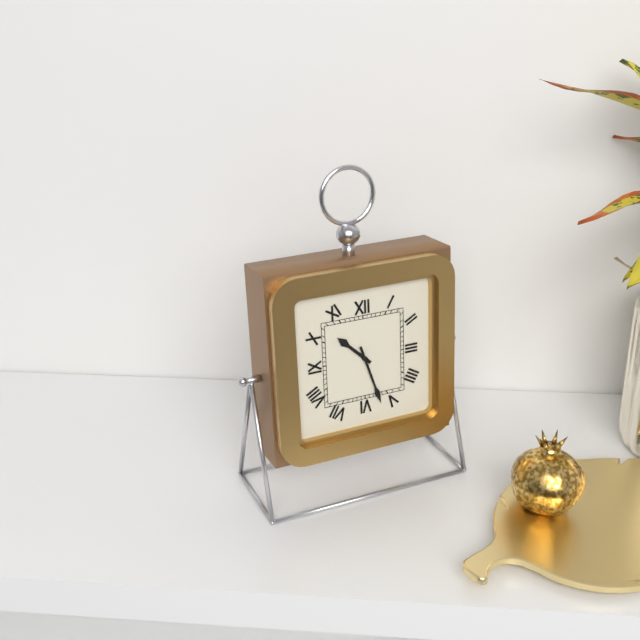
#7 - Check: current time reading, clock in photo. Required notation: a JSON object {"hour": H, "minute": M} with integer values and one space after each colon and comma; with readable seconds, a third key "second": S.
{"hour": 10, "minute": 27}
